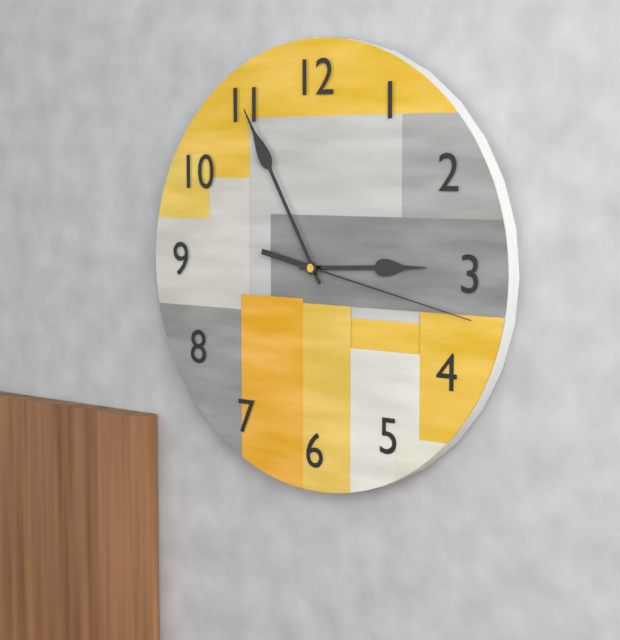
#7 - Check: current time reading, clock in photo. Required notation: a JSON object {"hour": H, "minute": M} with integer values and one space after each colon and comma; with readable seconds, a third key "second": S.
{"hour": 2, "minute": 55, "second": 17}
